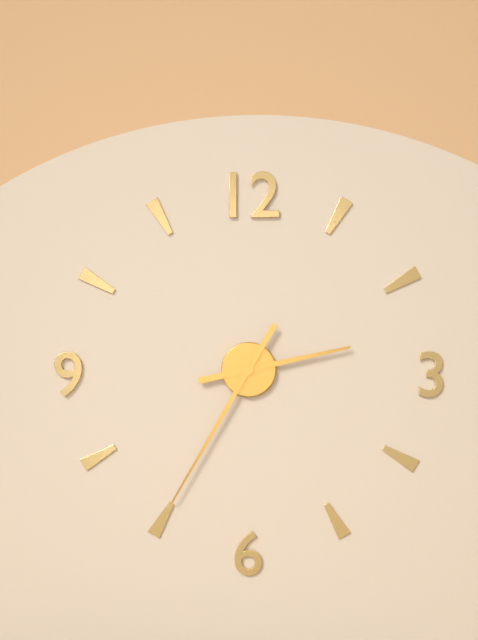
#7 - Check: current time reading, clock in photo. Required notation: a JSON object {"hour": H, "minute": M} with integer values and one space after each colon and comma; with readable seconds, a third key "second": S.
{"hour": 2, "minute": 35}
